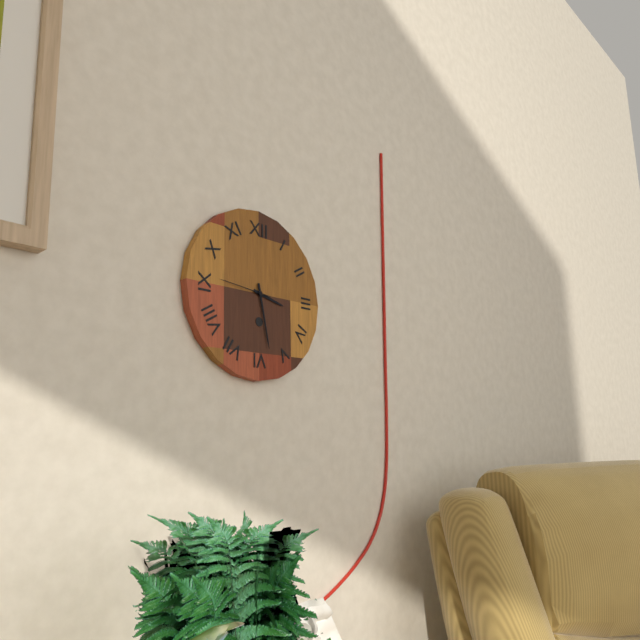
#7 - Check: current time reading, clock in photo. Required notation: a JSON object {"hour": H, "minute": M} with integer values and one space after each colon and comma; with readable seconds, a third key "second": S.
{"hour": 3, "minute": 28, "second": 46}
